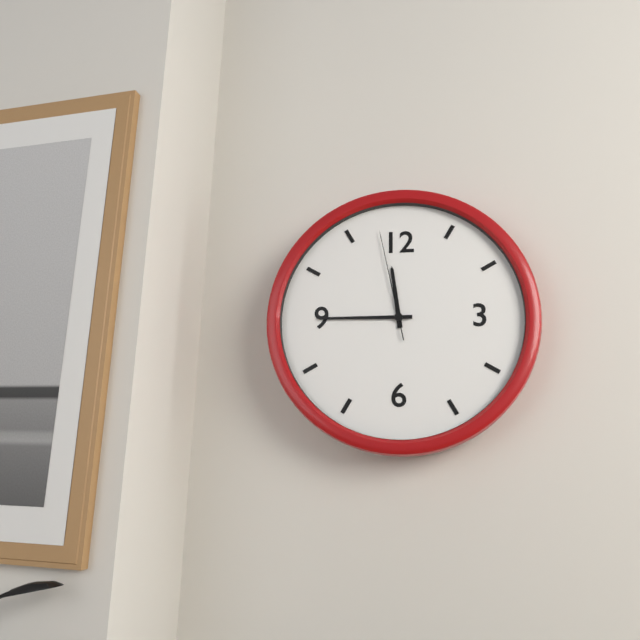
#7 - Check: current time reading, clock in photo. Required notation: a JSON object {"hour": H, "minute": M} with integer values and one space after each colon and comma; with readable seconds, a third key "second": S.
{"hour": 11, "minute": 45, "second": 58}
